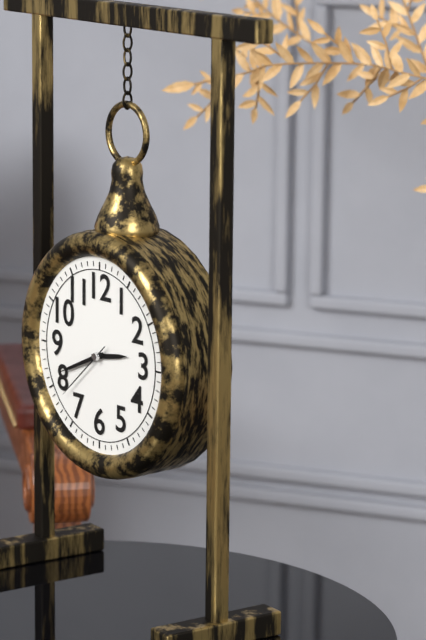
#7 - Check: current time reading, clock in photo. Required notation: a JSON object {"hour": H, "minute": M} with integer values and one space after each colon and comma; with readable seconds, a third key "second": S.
{"hour": 2, "minute": 41, "second": 38}
